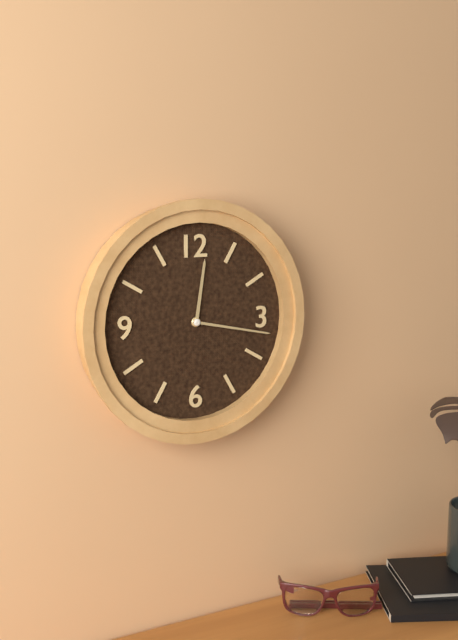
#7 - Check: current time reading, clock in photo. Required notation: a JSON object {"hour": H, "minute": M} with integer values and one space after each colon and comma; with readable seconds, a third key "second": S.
{"hour": 12, "minute": 17}
